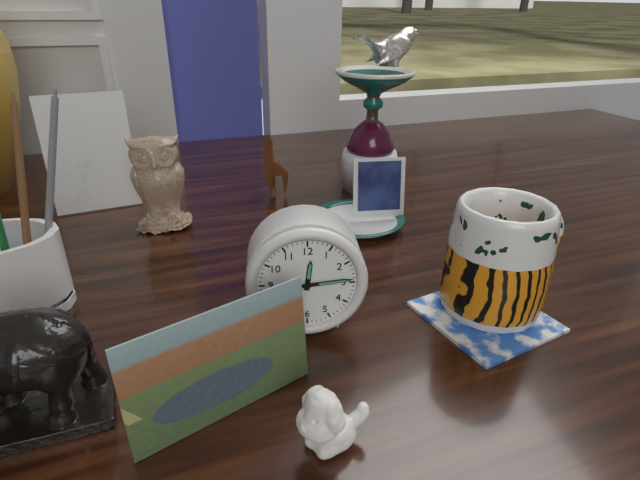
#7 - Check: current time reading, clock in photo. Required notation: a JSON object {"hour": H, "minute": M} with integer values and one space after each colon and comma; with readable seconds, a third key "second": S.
{"hour": 12, "minute": 14}
